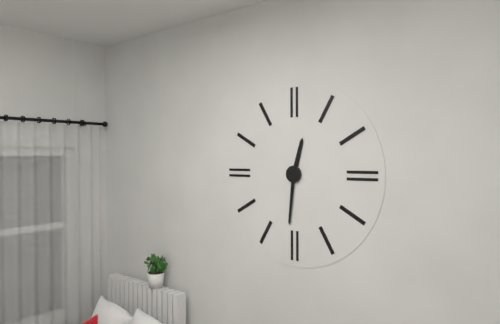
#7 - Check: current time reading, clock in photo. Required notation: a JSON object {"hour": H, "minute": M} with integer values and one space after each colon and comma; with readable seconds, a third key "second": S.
{"hour": 12, "minute": 31}
